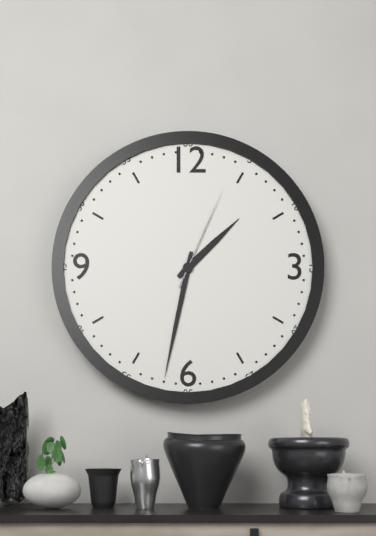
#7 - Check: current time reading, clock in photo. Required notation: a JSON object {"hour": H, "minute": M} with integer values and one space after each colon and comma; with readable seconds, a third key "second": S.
{"hour": 1, "minute": 32, "second": 4}
